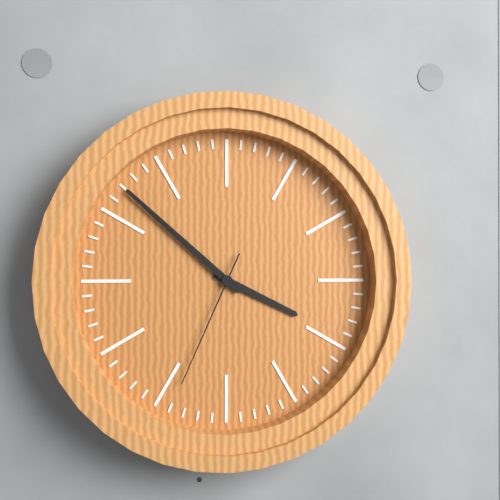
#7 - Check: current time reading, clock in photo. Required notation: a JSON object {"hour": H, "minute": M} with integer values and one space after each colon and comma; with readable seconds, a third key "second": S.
{"hour": 3, "minute": 52, "second": 34}
